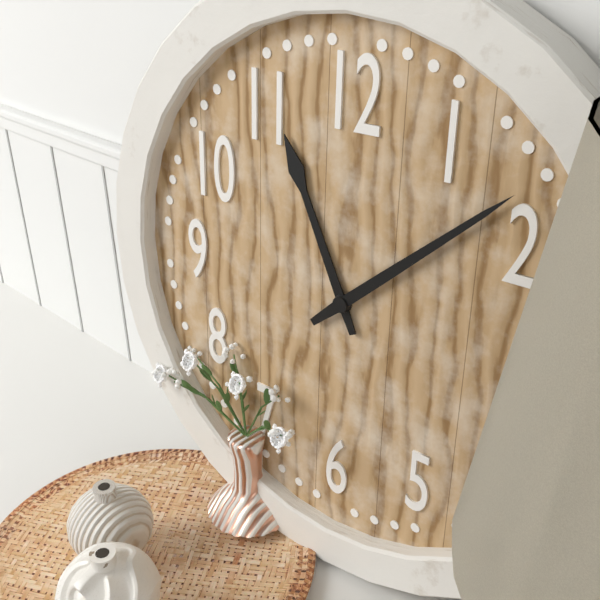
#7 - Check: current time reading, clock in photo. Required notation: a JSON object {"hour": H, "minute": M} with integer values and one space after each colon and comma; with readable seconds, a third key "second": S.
{"hour": 11, "minute": 8}
